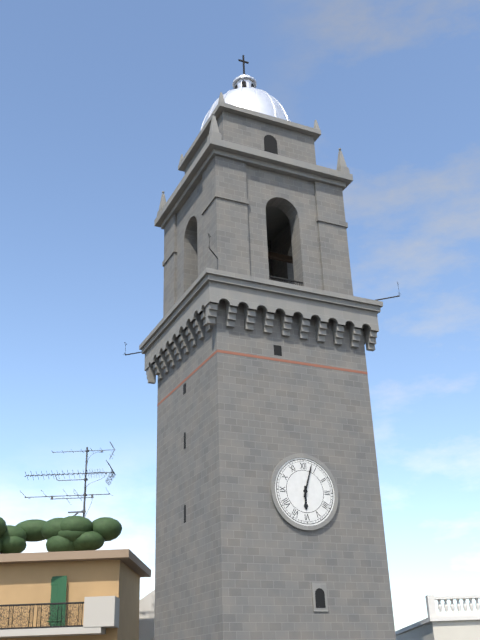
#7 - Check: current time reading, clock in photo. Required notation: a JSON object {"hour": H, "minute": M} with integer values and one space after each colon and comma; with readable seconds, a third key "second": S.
{"hour": 6, "minute": 3}
